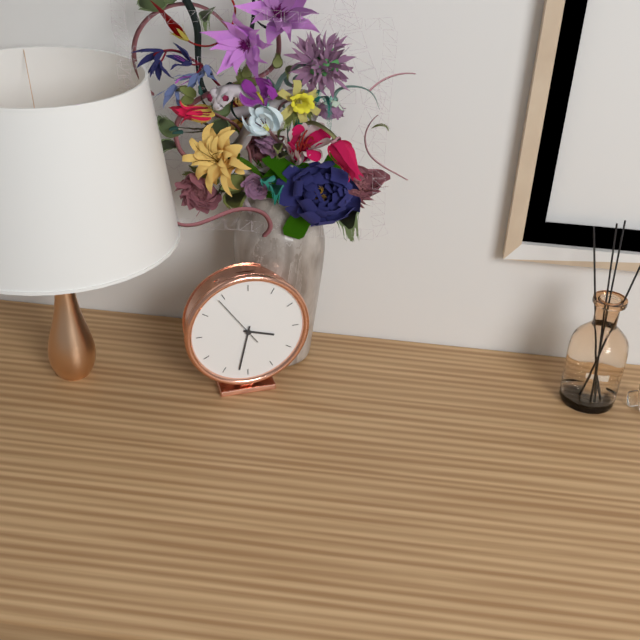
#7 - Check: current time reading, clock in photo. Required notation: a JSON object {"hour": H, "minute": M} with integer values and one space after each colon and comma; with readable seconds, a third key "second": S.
{"hour": 3, "minute": 32, "second": 54}
